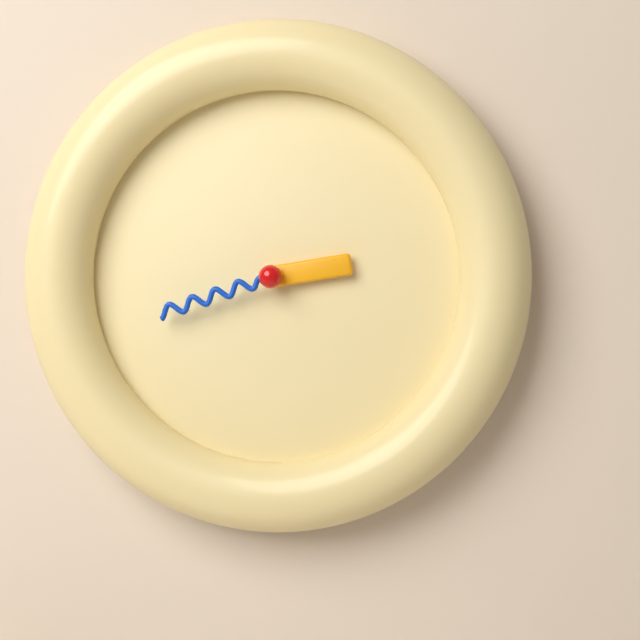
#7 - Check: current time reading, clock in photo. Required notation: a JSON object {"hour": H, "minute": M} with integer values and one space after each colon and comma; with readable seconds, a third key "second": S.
{"hour": 2, "minute": 42}
